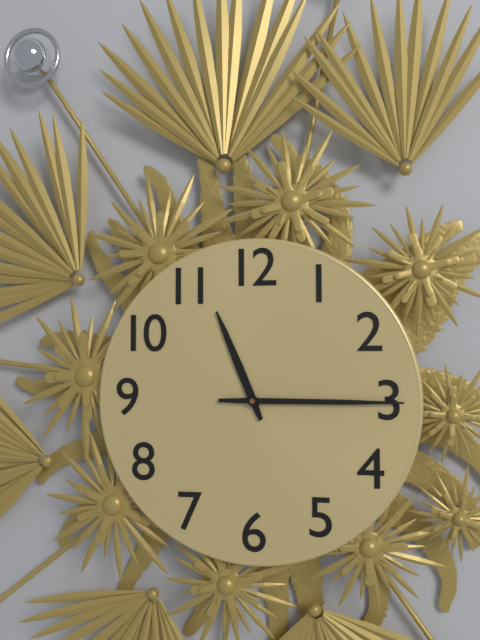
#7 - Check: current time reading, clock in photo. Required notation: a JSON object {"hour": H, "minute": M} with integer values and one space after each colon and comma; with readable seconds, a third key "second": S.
{"hour": 11, "minute": 15}
